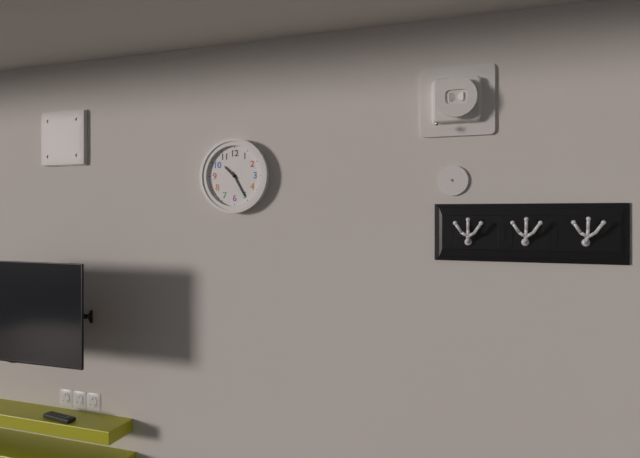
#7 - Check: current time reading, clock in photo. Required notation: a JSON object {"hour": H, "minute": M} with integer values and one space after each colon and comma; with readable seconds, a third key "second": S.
{"hour": 10, "minute": 25}
